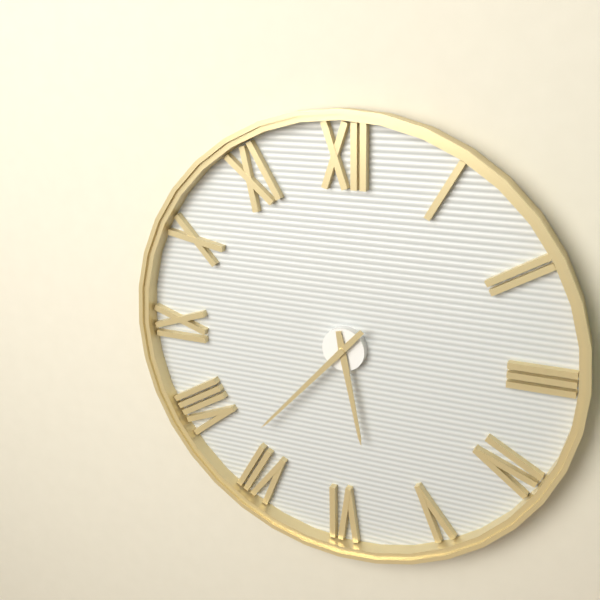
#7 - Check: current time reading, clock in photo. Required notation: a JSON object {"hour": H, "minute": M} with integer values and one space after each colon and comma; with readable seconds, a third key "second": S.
{"hour": 5, "minute": 37}
